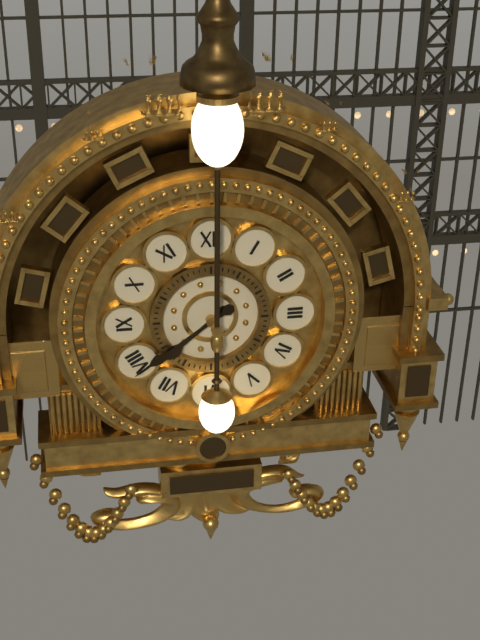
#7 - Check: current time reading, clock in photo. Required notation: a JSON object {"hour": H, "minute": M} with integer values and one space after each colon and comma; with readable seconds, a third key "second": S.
{"hour": 7, "minute": 39}
